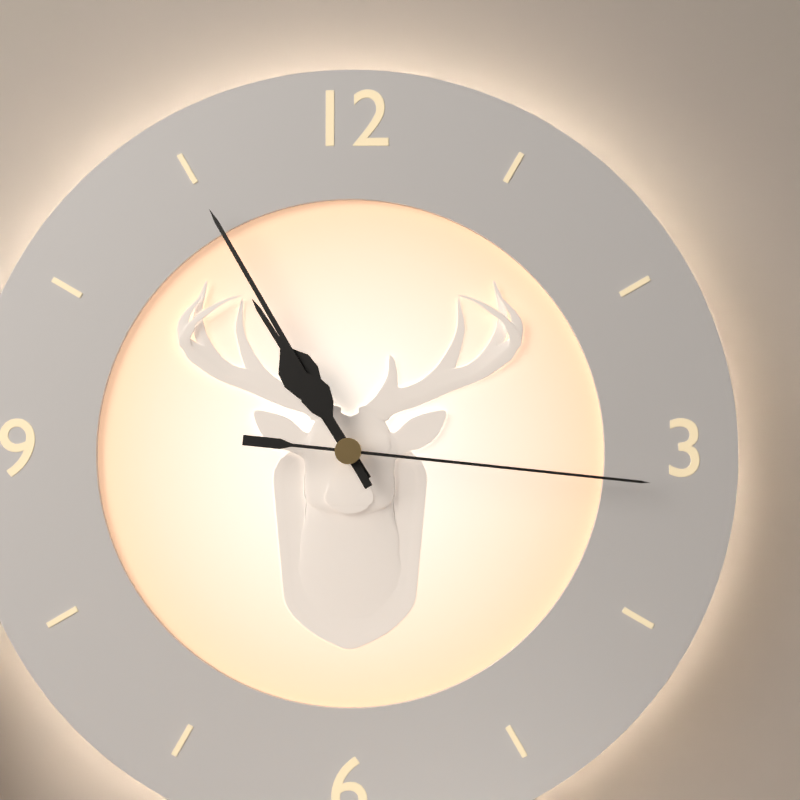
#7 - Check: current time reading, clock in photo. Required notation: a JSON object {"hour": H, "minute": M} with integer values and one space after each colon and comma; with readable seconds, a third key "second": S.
{"hour": 10, "minute": 55, "second": 16}
